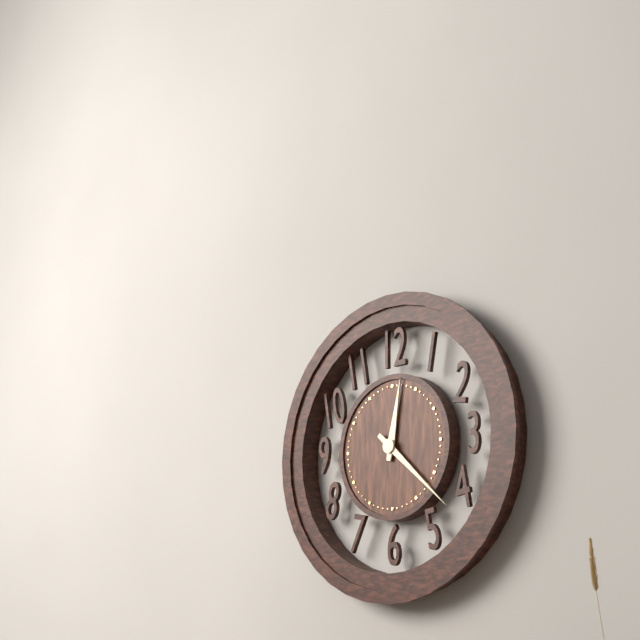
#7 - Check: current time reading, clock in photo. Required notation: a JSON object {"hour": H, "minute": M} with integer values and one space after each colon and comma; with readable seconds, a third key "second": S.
{"hour": 12, "minute": 22}
